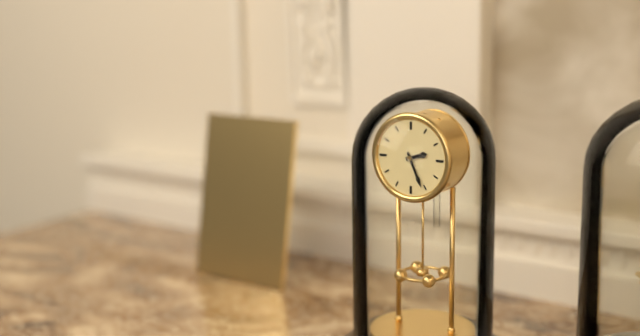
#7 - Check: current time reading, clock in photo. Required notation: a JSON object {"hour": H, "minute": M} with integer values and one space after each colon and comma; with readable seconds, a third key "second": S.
{"hour": 2, "minute": 26}
